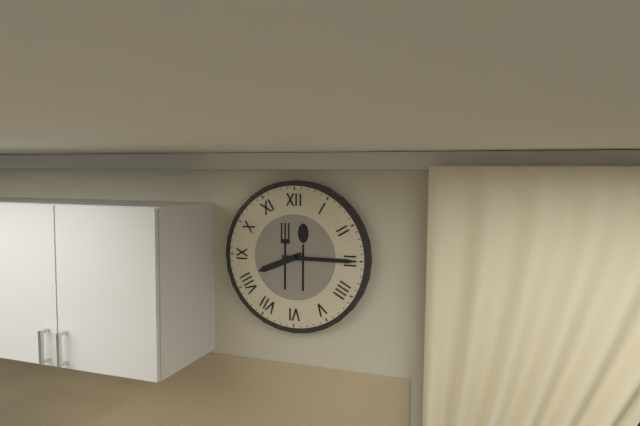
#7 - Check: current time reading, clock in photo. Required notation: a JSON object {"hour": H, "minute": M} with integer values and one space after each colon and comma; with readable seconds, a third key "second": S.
{"hour": 8, "minute": 15}
